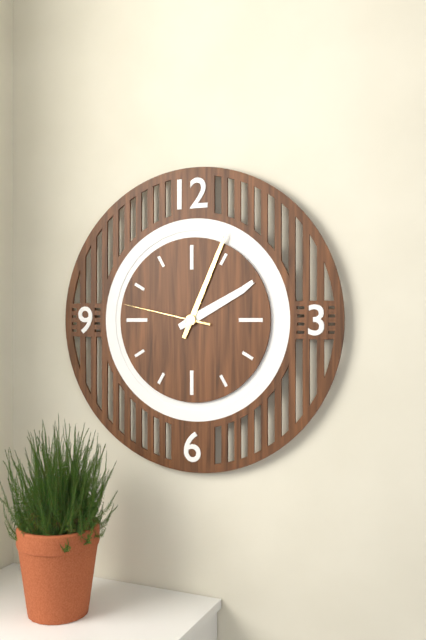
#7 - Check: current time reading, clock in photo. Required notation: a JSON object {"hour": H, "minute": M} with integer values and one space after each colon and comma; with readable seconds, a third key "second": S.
{"hour": 2, "minute": 4, "second": 47}
